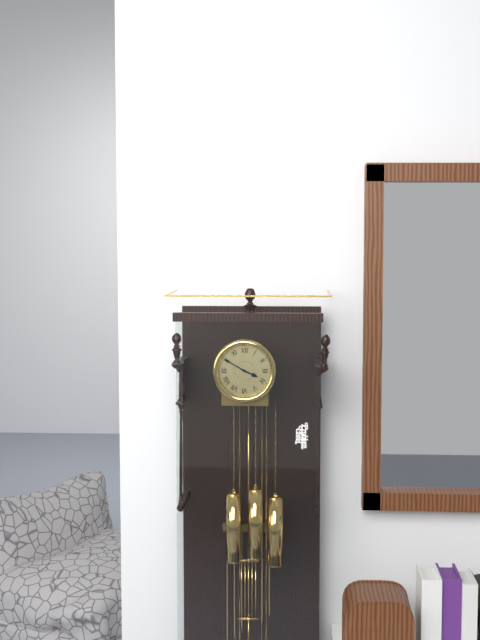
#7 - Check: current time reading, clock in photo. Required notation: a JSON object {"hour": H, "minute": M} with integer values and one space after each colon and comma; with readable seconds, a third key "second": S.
{"hour": 3, "minute": 50}
